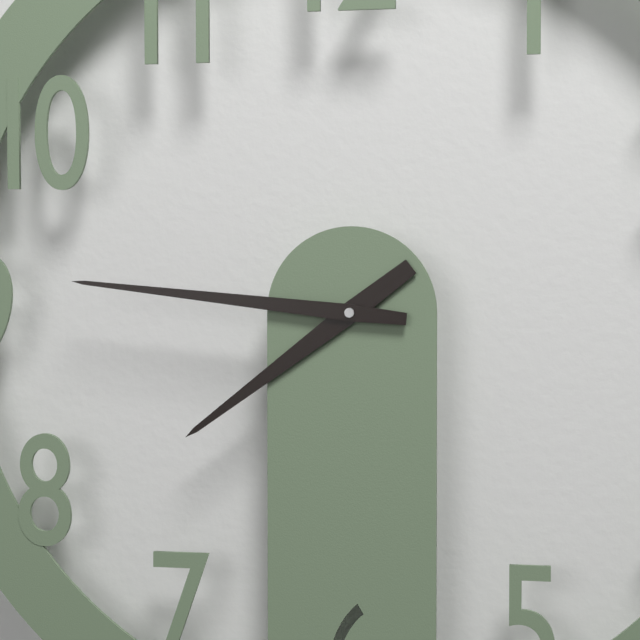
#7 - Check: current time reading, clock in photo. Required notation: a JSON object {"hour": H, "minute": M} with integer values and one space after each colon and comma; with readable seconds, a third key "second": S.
{"hour": 7, "minute": 46}
